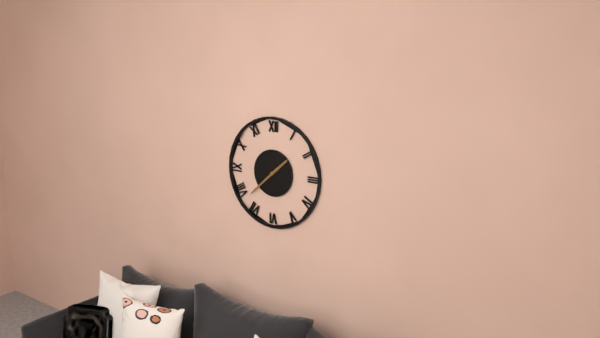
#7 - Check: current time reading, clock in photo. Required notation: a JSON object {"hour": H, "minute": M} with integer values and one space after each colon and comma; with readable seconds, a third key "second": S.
{"hour": 1, "minute": 38}
